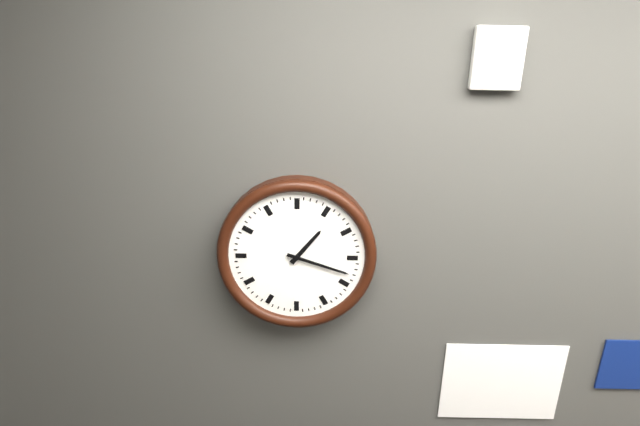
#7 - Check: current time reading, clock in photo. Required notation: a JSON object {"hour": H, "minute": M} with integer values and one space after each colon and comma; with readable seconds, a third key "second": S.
{"hour": 1, "minute": 18}
